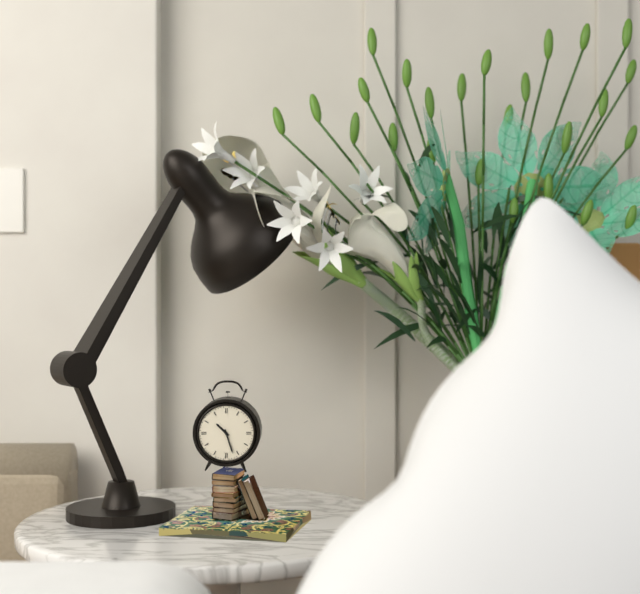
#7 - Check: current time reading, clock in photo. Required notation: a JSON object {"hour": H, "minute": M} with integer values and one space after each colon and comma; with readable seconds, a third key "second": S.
{"hour": 10, "minute": 27}
